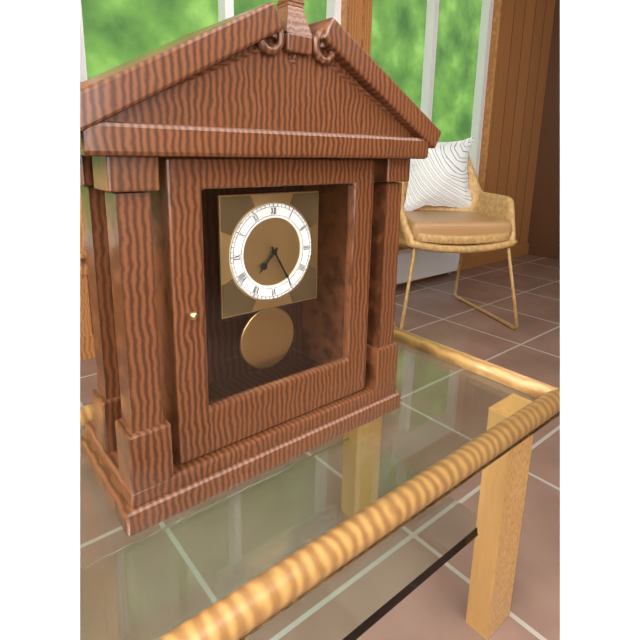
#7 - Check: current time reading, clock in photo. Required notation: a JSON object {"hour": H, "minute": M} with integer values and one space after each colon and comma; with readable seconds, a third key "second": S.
{"hour": 7, "minute": 25}
